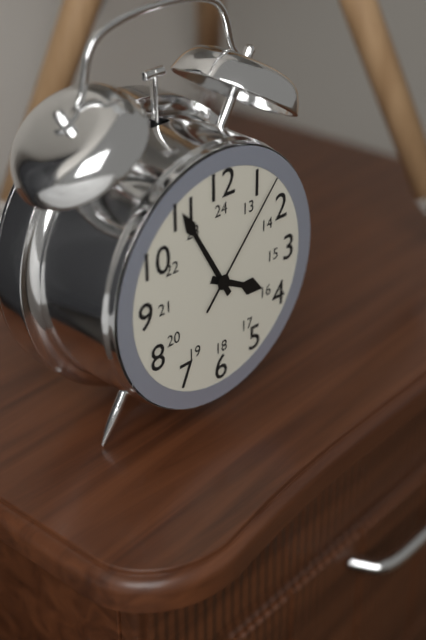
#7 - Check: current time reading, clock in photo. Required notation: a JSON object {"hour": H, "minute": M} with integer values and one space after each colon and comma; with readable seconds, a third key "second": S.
{"hour": 3, "minute": 55, "second": 7}
